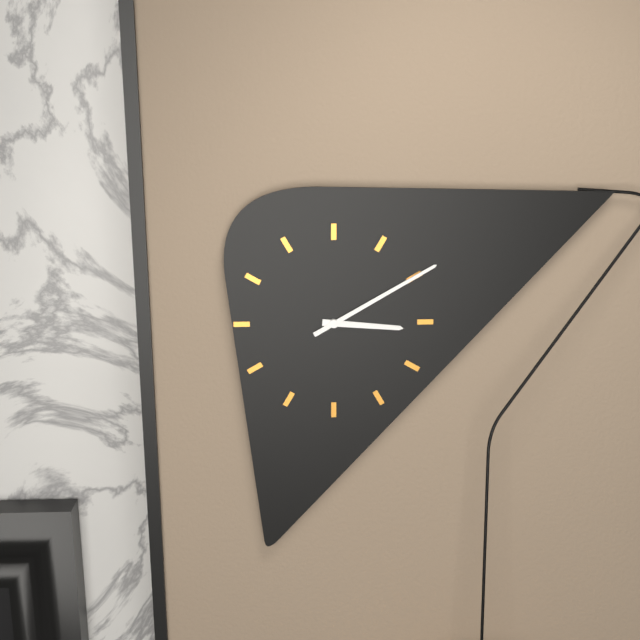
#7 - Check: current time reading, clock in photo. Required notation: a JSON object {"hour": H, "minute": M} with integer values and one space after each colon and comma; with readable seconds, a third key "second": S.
{"hour": 3, "minute": 10}
